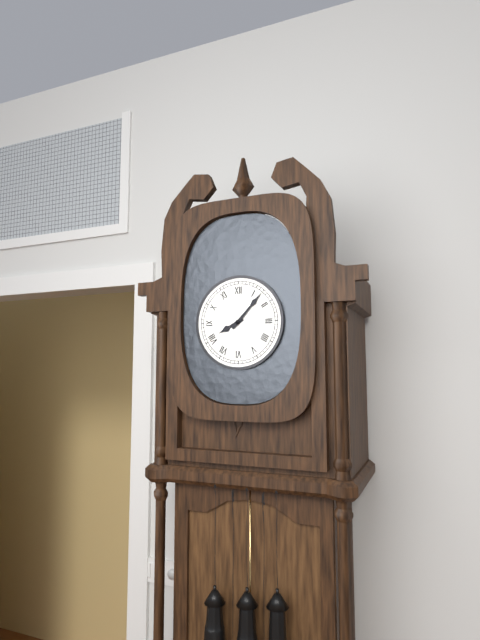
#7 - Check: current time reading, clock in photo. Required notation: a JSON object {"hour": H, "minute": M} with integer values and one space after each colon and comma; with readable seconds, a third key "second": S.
{"hour": 8, "minute": 7}
